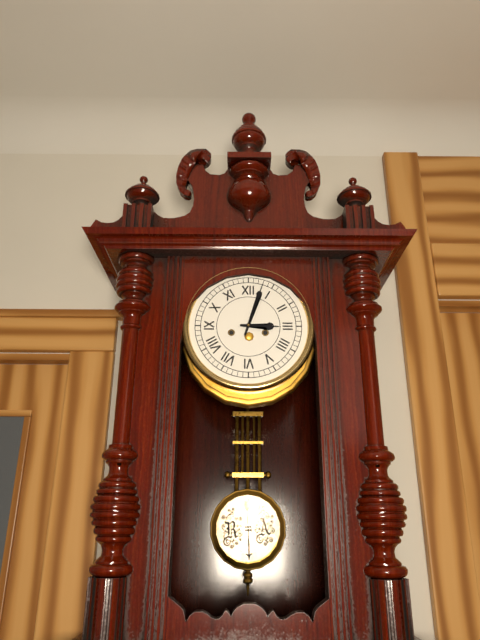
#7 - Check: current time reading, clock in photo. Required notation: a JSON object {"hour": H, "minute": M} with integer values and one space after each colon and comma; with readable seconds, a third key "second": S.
{"hour": 3, "minute": 3}
